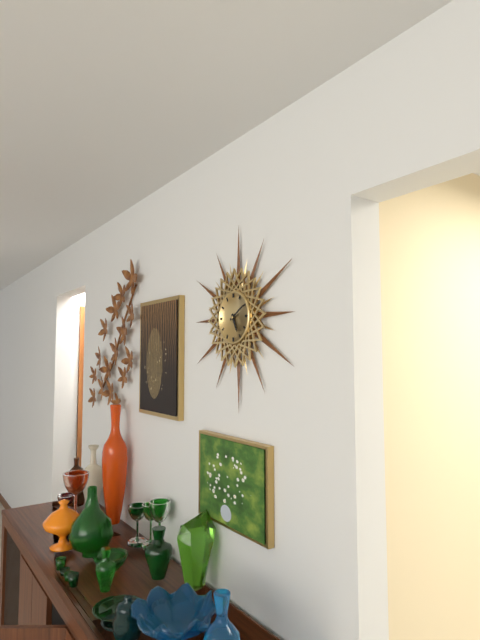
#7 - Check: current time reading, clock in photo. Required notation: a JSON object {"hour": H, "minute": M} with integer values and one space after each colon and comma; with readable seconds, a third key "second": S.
{"hour": 5, "minute": 10}
